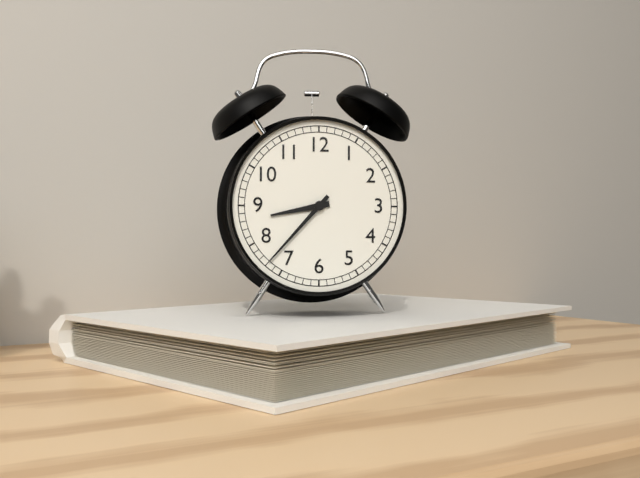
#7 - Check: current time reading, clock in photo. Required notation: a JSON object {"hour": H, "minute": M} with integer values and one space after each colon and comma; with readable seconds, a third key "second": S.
{"hour": 8, "minute": 37}
